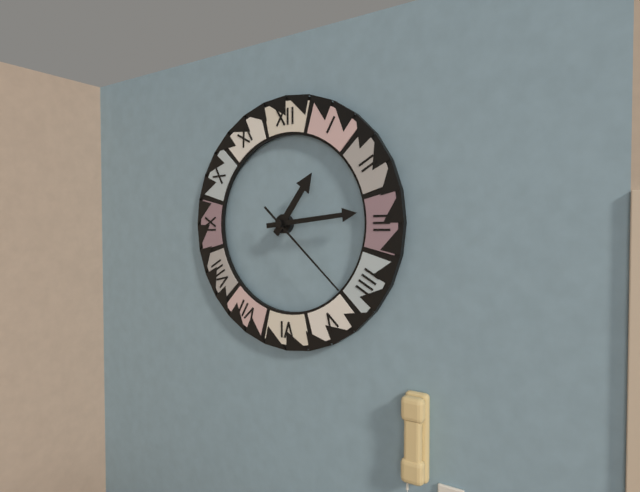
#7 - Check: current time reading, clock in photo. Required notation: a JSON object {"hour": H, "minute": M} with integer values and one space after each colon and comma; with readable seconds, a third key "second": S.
{"hour": 1, "minute": 14, "second": 22}
